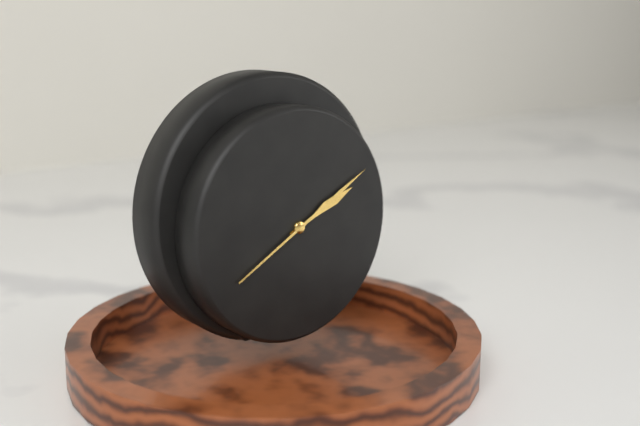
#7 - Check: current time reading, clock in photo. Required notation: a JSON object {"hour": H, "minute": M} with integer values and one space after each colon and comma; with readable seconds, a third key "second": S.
{"hour": 2, "minute": 10}
